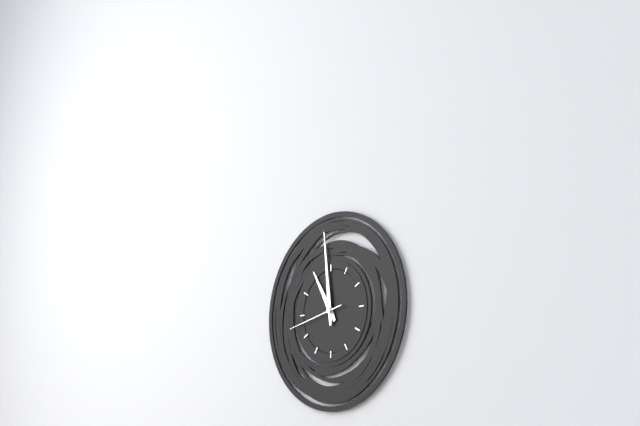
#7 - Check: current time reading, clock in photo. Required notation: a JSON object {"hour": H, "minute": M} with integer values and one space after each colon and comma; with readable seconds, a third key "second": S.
{"hour": 10, "minute": 59, "second": 43}
